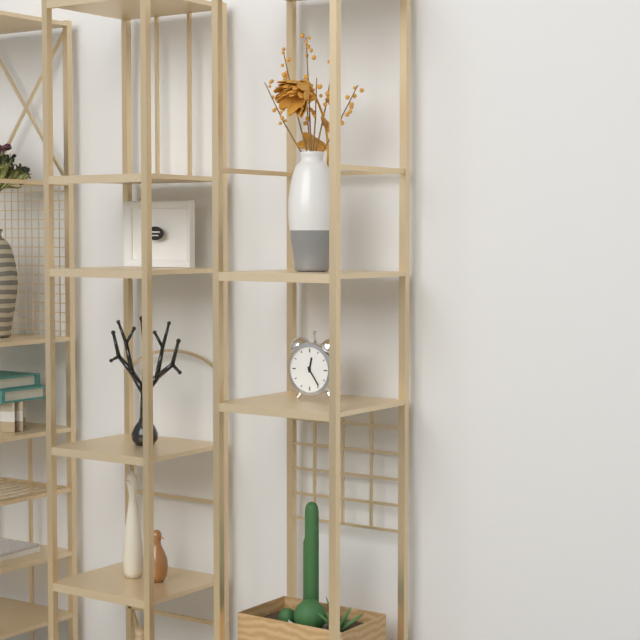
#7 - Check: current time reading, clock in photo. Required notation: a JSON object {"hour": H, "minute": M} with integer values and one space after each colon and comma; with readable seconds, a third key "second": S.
{"hour": 12, "minute": 24}
